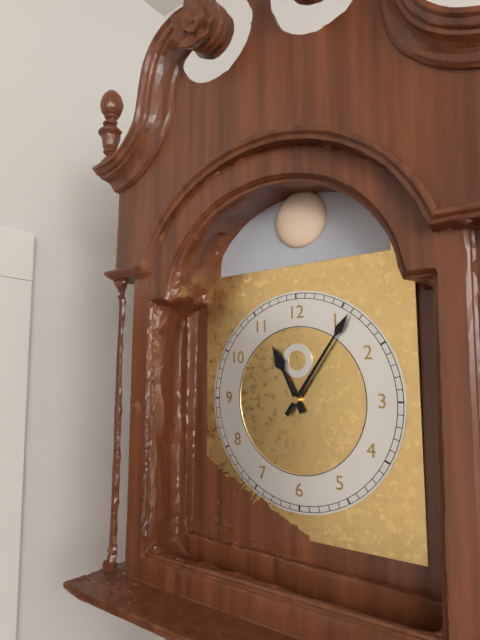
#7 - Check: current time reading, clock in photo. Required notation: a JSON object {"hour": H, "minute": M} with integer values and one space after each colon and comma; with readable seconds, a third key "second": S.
{"hour": 11, "minute": 6}
